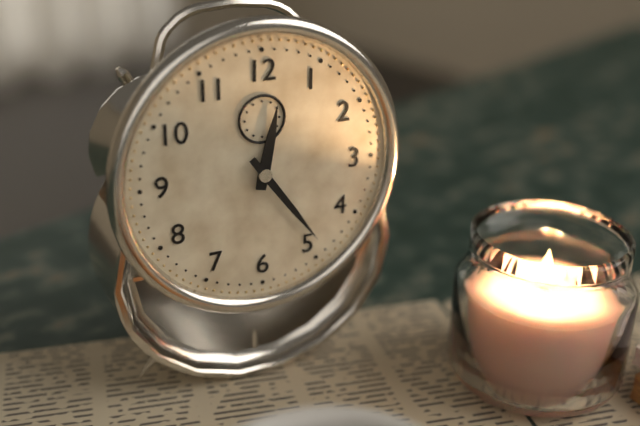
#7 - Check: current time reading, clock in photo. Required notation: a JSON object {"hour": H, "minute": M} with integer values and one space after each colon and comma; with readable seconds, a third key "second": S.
{"hour": 12, "minute": 24}
